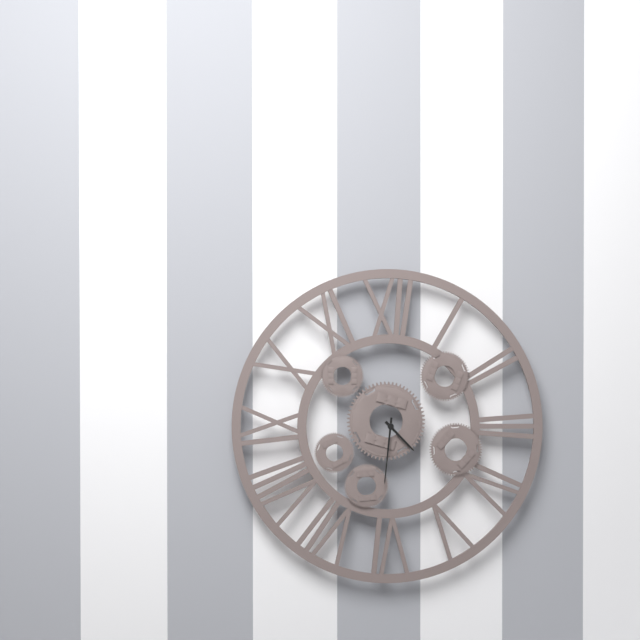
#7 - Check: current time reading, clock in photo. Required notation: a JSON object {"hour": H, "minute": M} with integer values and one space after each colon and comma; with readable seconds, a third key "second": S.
{"hour": 4, "minute": 31}
